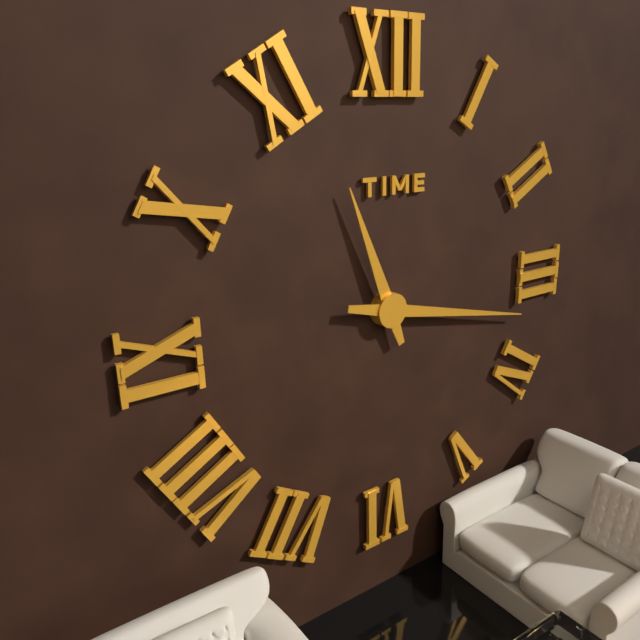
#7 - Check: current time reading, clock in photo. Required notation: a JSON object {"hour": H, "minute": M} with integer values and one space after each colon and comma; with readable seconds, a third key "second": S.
{"hour": 11, "minute": 17}
